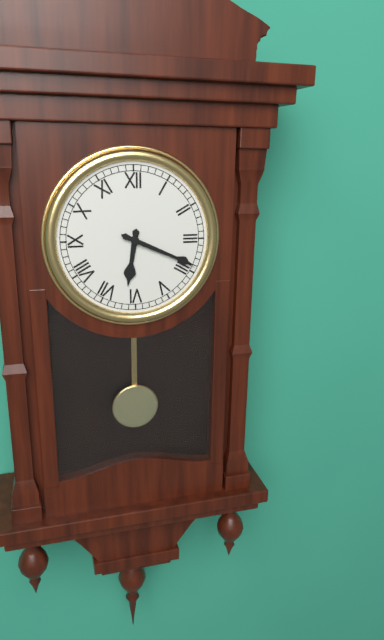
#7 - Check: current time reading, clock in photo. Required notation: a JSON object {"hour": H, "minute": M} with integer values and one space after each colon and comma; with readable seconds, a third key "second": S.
{"hour": 6, "minute": 19}
